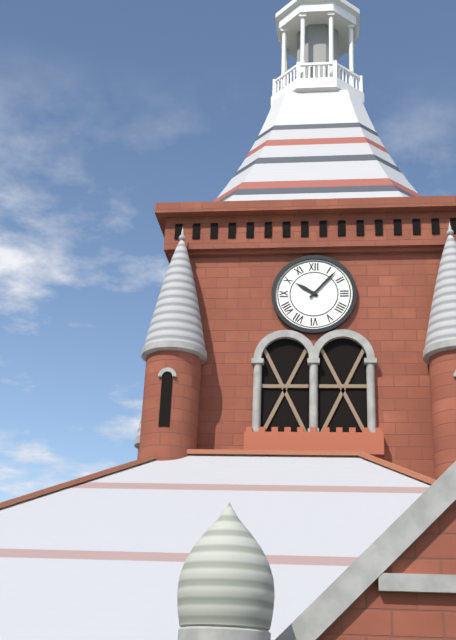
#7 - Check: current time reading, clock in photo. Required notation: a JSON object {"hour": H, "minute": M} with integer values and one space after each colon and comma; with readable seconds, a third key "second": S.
{"hour": 10, "minute": 7}
